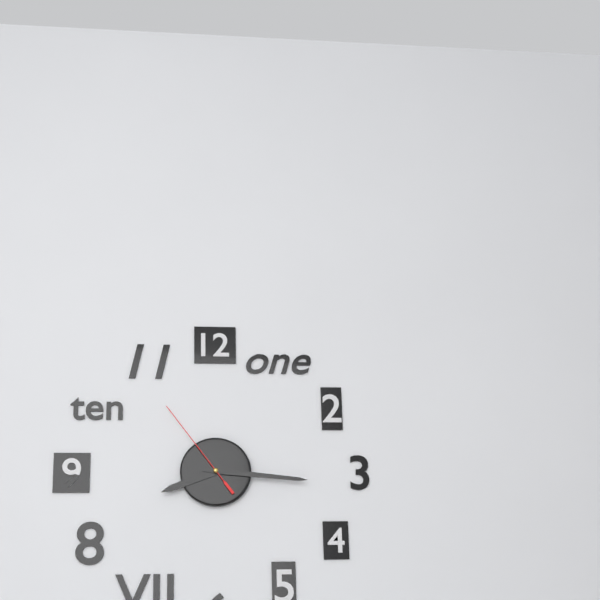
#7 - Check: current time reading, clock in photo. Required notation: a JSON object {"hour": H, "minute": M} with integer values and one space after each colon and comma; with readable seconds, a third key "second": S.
{"hour": 8, "minute": 16, "second": 54}
